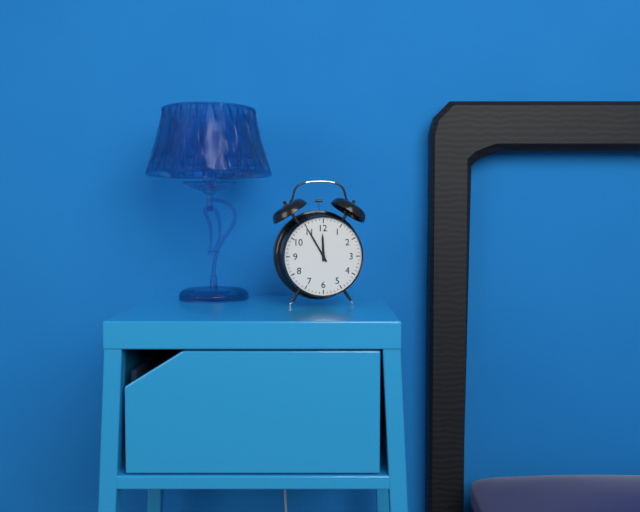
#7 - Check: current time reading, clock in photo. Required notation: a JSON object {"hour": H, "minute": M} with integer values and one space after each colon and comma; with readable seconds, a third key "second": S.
{"hour": 11, "minute": 55}
